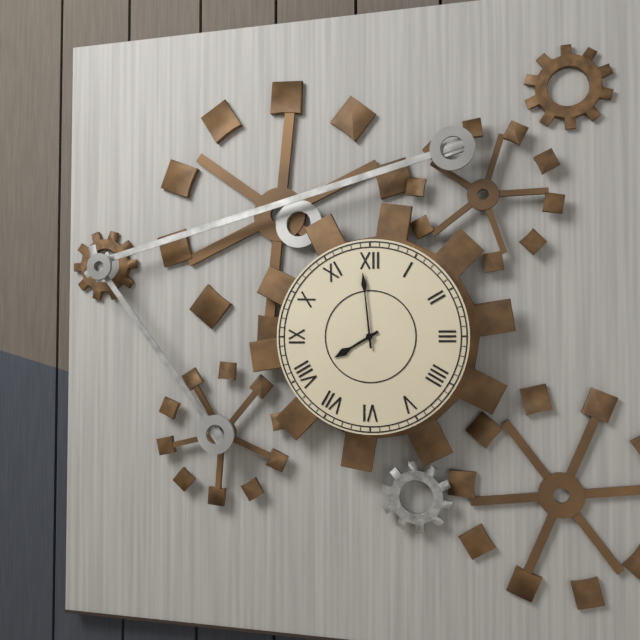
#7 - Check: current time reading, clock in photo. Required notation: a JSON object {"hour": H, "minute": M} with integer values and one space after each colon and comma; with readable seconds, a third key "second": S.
{"hour": 7, "minute": 59}
